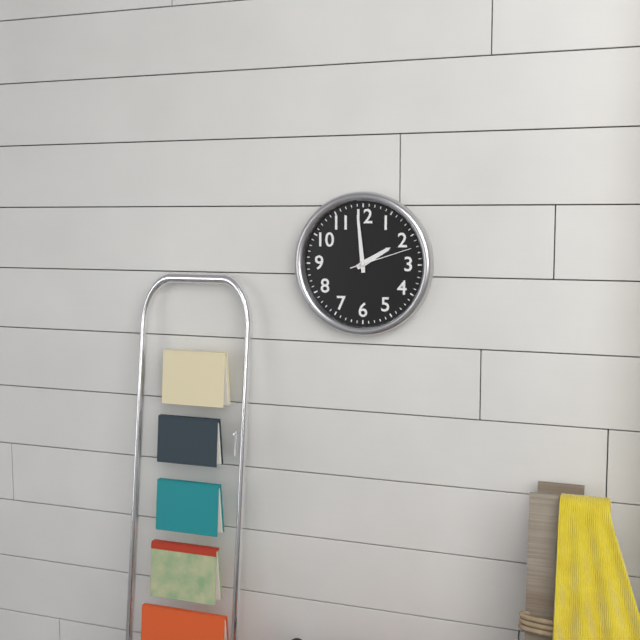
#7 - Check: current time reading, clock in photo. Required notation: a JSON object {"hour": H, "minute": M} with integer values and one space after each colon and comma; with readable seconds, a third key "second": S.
{"hour": 1, "minute": 59, "second": 12}
